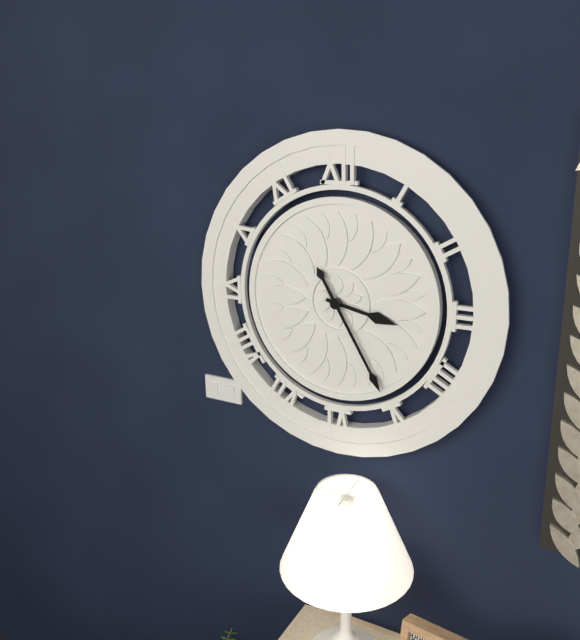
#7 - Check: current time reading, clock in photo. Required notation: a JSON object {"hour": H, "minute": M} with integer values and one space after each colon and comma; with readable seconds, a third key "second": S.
{"hour": 3, "minute": 25}
